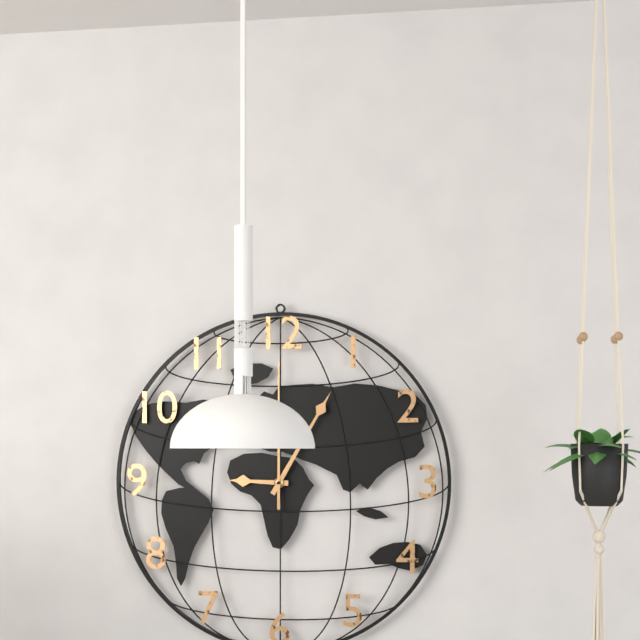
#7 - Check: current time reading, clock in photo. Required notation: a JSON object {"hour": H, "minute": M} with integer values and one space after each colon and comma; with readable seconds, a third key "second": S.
{"hour": 9, "minute": 5, "second": 0}
